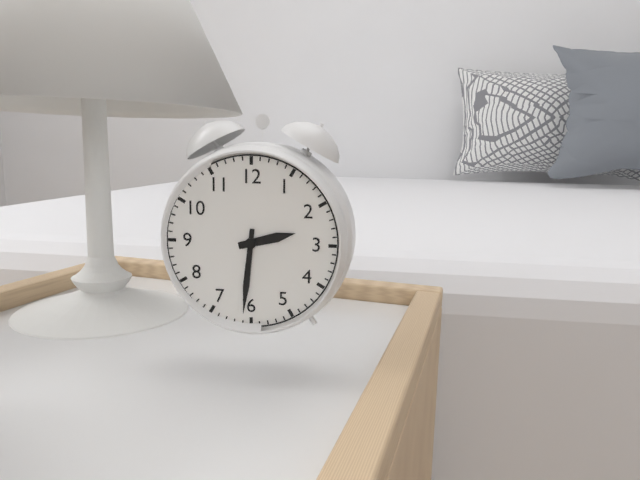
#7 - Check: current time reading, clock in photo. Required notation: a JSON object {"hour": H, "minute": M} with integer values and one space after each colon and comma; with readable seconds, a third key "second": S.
{"hour": 2, "minute": 31}
